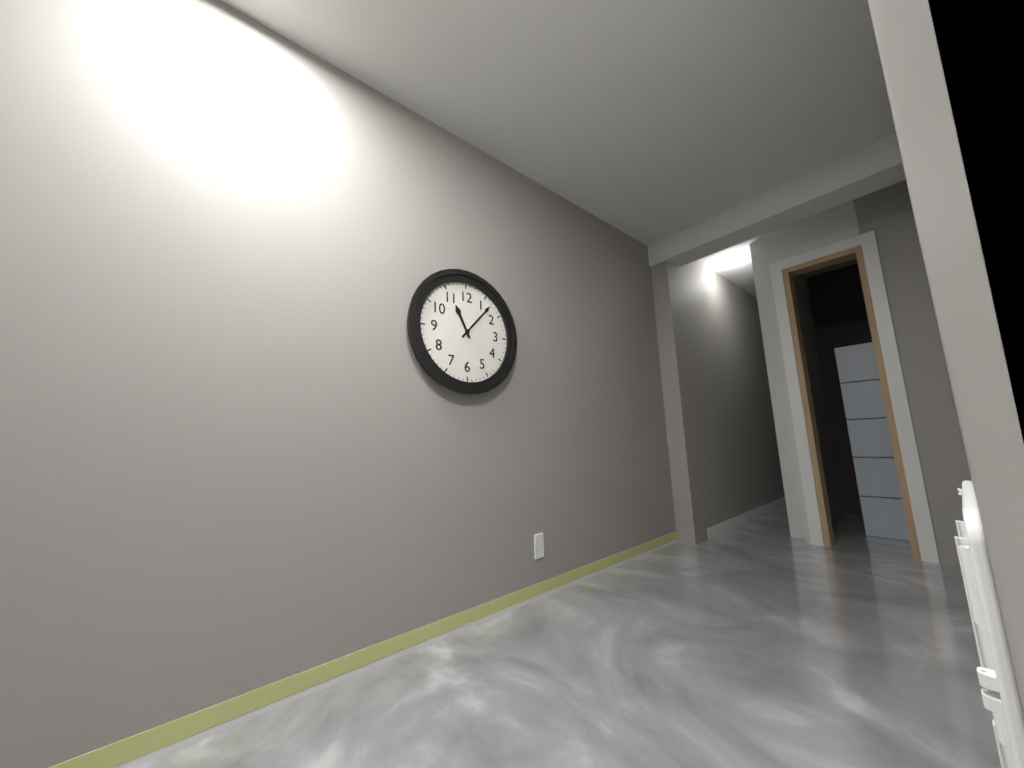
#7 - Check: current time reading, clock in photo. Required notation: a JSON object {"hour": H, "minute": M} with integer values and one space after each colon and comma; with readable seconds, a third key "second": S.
{"hour": 11, "minute": 7}
